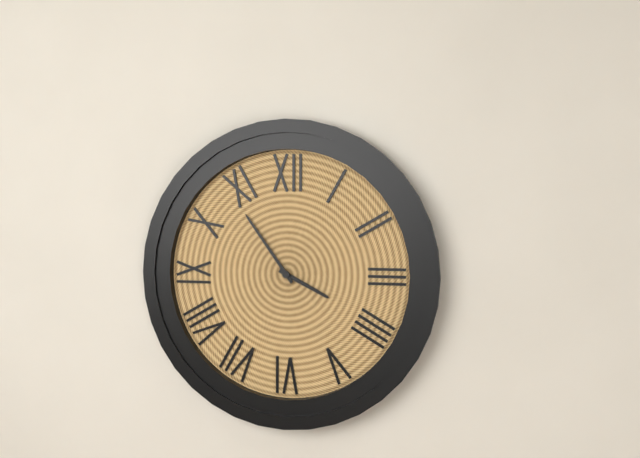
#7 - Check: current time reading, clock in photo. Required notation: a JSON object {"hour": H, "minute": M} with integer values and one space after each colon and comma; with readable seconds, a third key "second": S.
{"hour": 3, "minute": 54}
